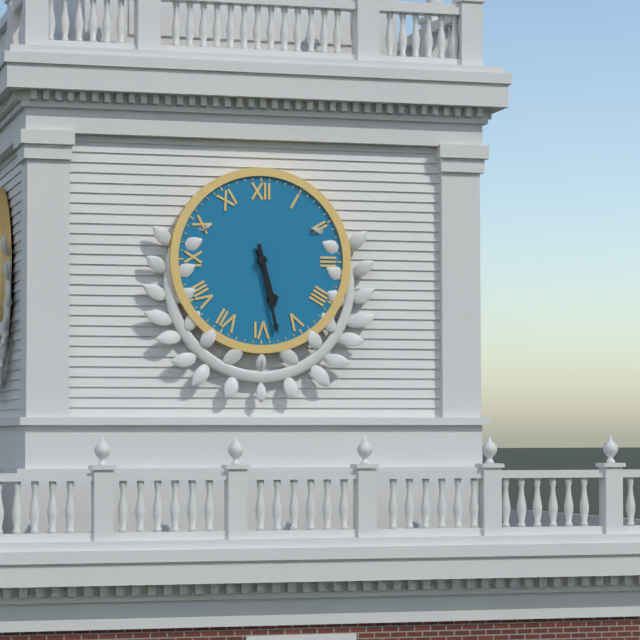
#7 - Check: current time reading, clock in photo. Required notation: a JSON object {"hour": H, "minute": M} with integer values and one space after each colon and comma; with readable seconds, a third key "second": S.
{"hour": 5, "minute": 28}
